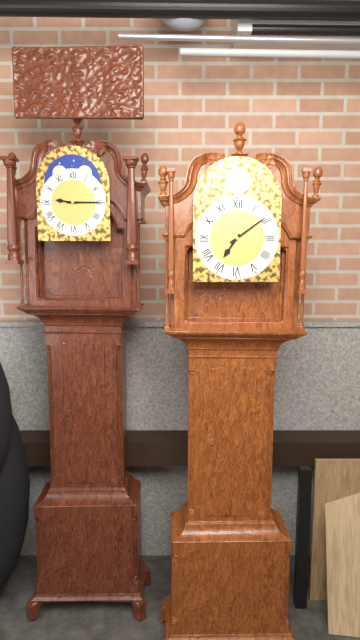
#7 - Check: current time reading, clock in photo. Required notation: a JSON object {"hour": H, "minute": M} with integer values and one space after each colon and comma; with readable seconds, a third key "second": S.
{"hour": 7, "minute": 9}
